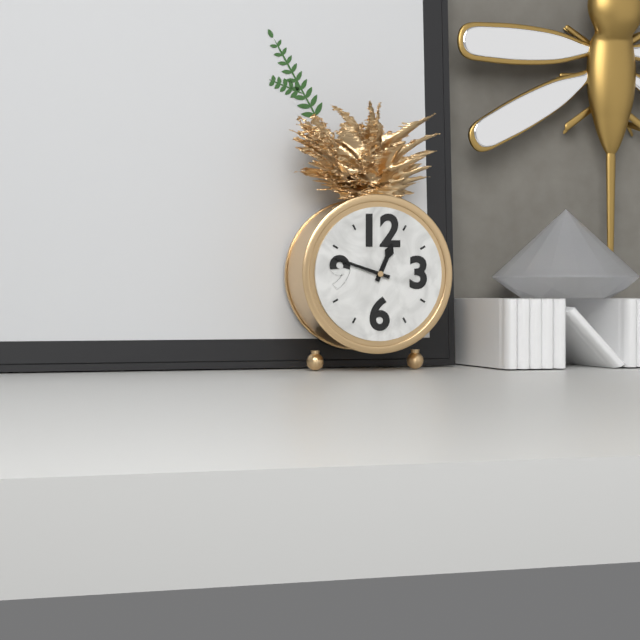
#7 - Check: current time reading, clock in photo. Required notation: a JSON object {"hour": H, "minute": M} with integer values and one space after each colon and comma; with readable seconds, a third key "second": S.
{"hour": 12, "minute": 48}
